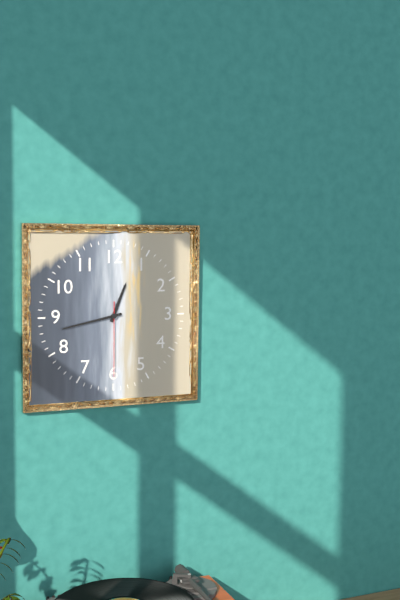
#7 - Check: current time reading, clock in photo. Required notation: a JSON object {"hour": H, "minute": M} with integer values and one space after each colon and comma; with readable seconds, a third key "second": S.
{"hour": 12, "minute": 43, "second": 30}
